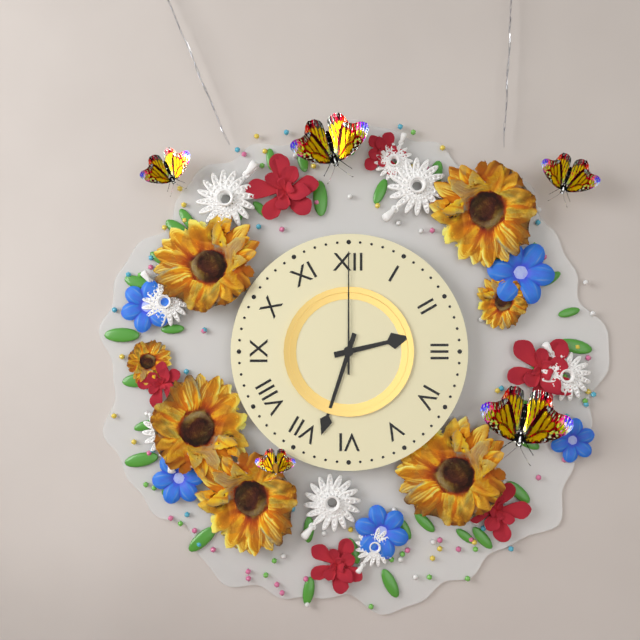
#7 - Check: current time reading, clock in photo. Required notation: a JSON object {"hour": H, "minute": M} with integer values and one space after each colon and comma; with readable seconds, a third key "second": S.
{"hour": 2, "minute": 33, "second": 0}
